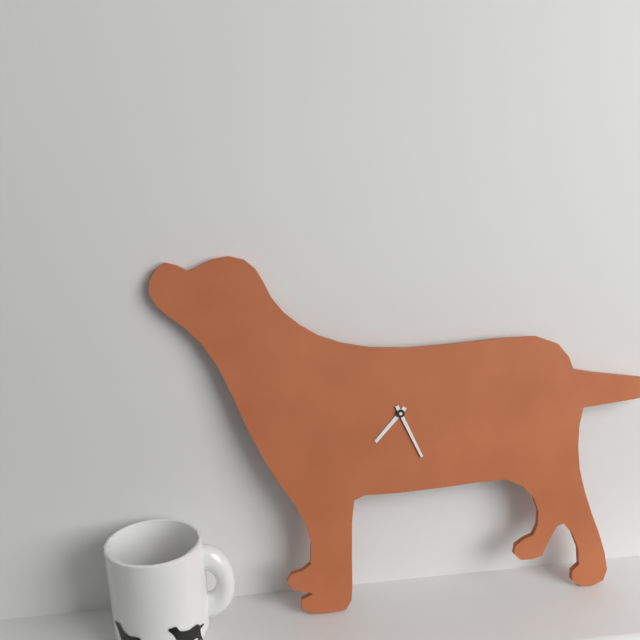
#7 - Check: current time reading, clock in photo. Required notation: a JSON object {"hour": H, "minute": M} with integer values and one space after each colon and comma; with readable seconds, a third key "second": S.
{"hour": 7, "minute": 26}
